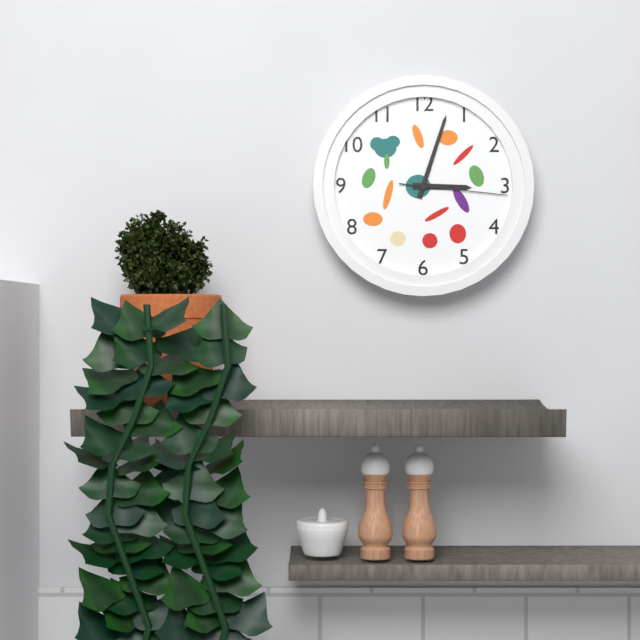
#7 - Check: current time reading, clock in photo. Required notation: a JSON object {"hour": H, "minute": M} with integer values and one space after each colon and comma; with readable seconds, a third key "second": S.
{"hour": 3, "minute": 3, "second": 16}
